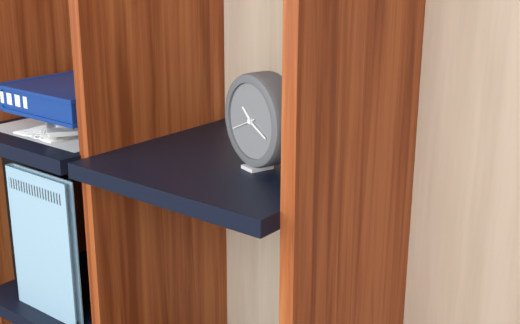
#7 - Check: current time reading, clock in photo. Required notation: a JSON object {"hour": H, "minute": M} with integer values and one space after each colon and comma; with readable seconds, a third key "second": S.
{"hour": 10, "minute": 19}
